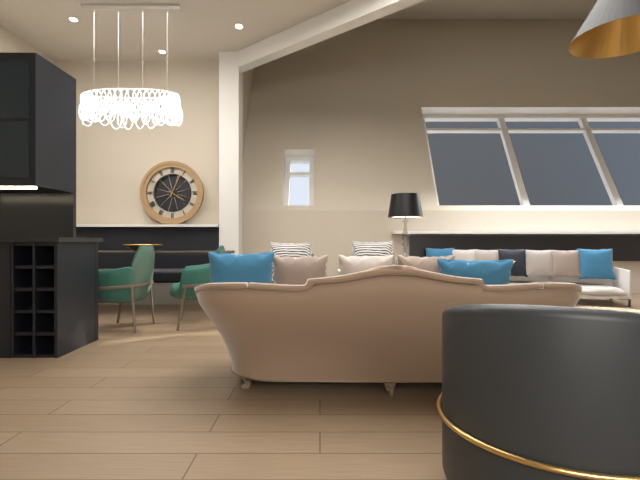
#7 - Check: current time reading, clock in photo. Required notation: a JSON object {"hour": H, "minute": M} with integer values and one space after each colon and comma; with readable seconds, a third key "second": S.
{"hour": 4, "minute": 4}
